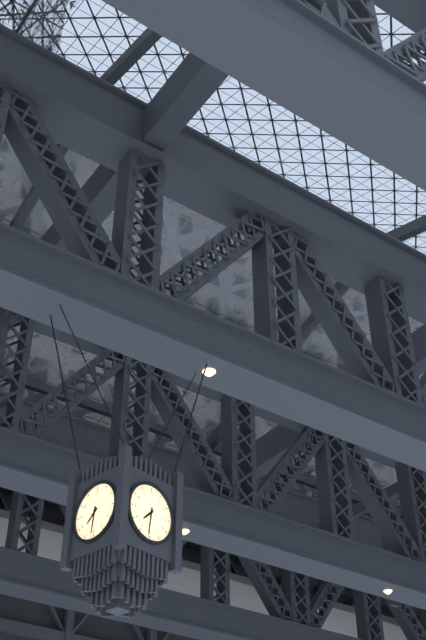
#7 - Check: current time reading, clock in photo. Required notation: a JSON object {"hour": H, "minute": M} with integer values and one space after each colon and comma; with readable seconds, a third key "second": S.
{"hour": 7, "minute": 31}
